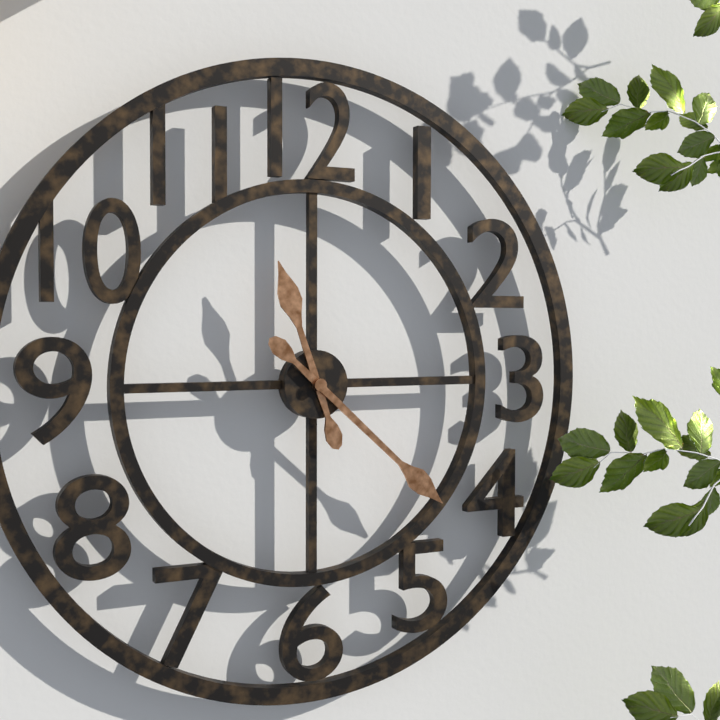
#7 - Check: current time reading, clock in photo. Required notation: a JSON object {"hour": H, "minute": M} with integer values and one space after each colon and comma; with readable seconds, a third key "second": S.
{"hour": 11, "minute": 22}
